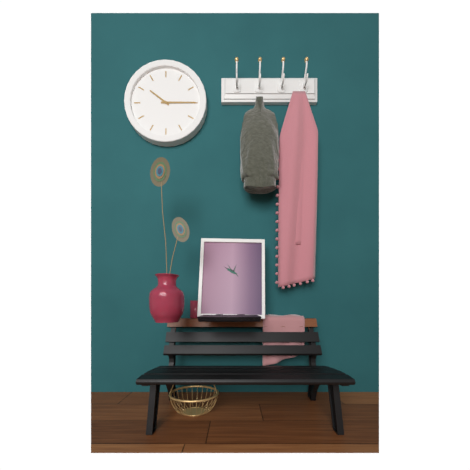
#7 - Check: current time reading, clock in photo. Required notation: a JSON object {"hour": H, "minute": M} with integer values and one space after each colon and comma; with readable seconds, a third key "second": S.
{"hour": 10, "minute": 15}
